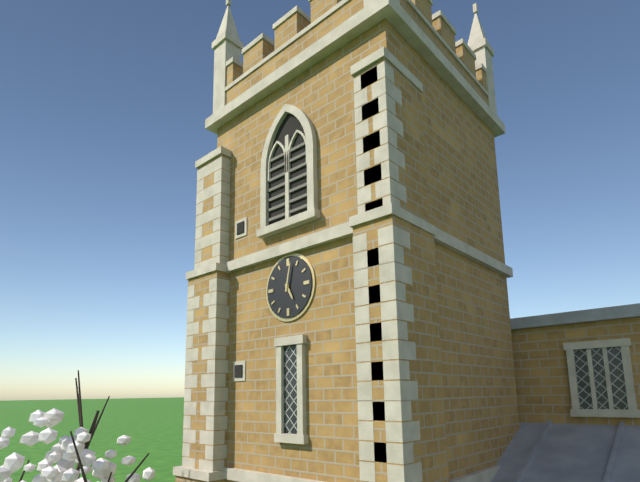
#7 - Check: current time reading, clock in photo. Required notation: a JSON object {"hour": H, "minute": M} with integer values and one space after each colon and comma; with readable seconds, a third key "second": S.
{"hour": 5, "minute": 2}
